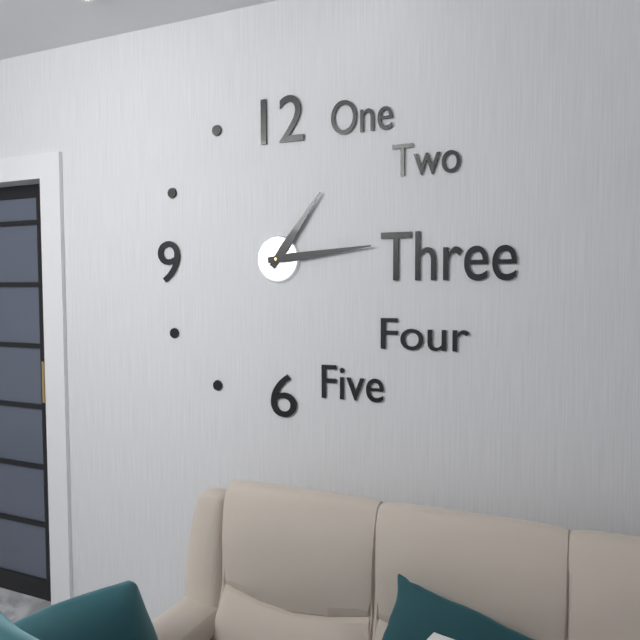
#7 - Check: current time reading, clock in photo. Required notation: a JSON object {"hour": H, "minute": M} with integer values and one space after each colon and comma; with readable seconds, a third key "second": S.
{"hour": 1, "minute": 14}
